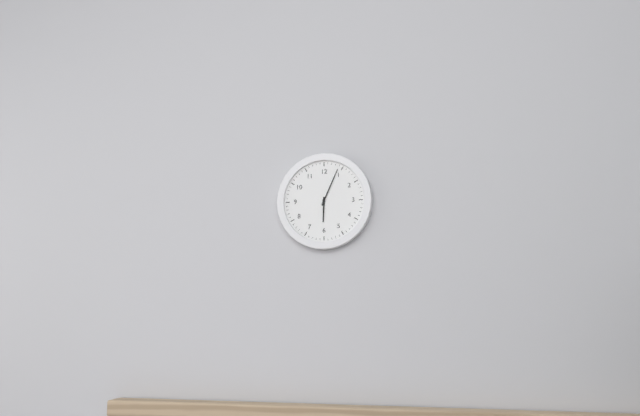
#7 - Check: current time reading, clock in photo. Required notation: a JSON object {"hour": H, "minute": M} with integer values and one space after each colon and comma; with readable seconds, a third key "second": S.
{"hour": 6, "minute": 4}
